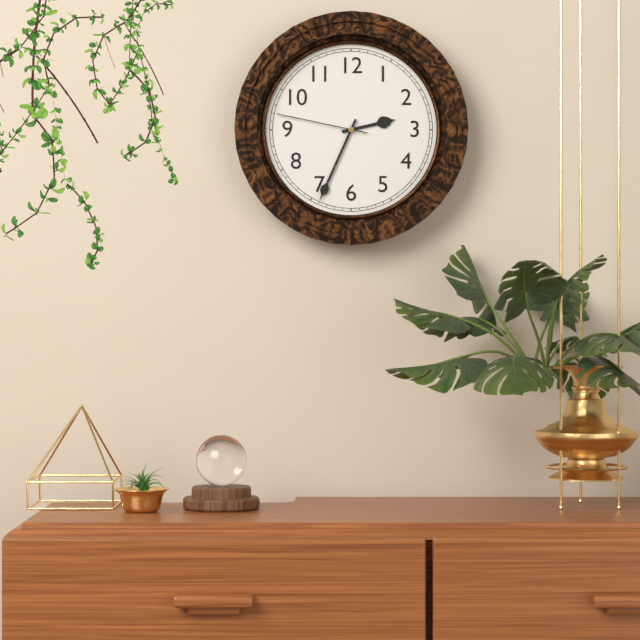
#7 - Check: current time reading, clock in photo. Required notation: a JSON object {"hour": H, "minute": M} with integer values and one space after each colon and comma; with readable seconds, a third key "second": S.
{"hour": 2, "minute": 34, "second": 47}
